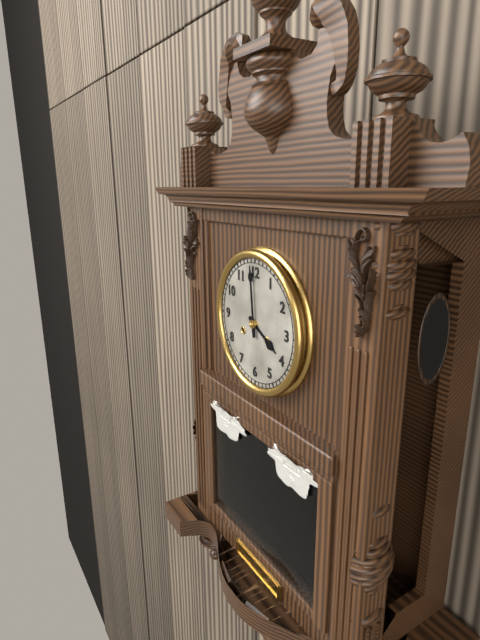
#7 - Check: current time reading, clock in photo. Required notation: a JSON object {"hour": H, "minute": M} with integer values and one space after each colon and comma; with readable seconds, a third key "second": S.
{"hour": 3, "minute": 59}
